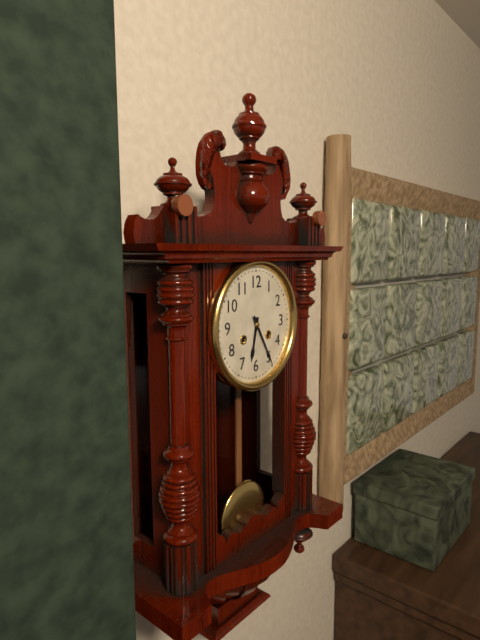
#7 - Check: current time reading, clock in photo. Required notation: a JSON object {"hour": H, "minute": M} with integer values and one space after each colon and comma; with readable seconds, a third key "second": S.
{"hour": 6, "minute": 25}
